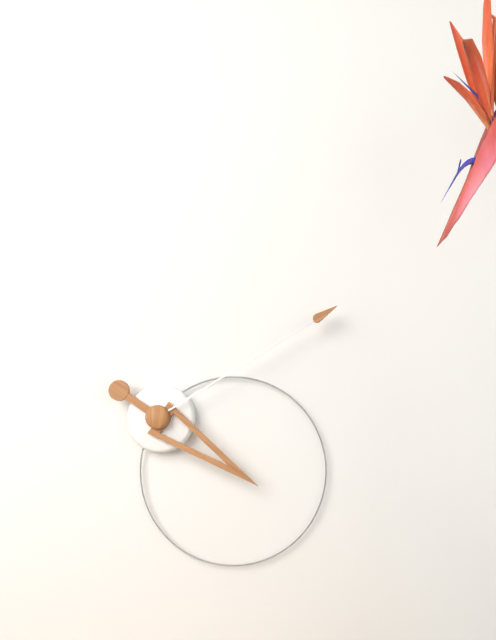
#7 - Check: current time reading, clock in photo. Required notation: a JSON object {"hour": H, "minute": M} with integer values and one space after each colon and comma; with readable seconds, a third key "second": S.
{"hour": 4, "minute": 10}
